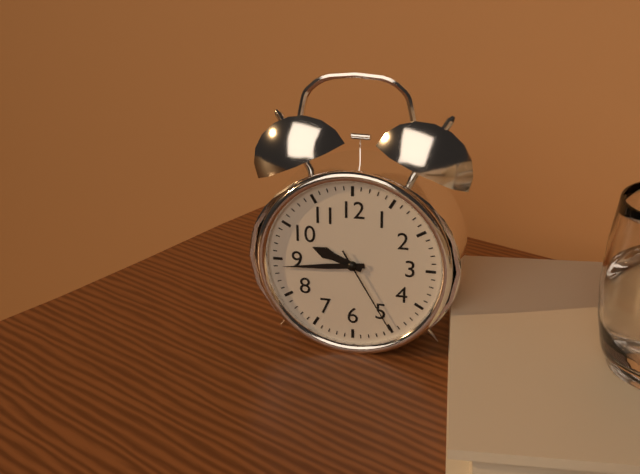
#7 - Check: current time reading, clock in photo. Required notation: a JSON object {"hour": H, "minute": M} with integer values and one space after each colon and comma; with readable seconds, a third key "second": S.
{"hour": 9, "minute": 44, "second": 25}
